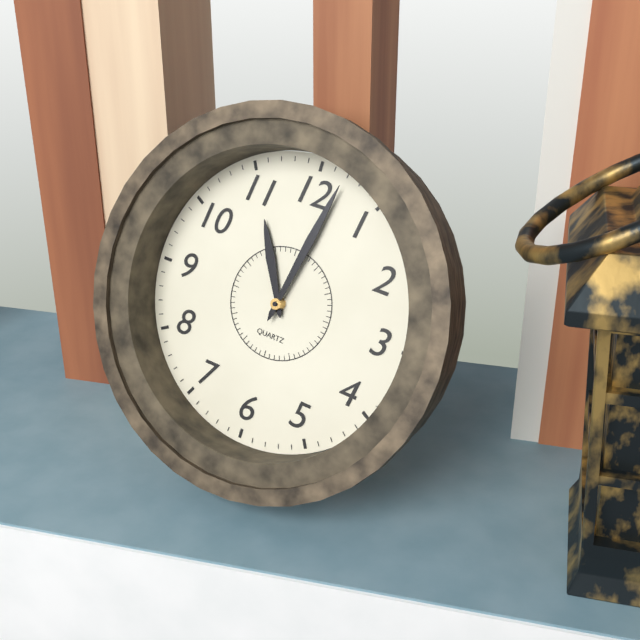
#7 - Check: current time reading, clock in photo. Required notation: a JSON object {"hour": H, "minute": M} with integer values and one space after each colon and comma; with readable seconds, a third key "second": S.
{"hour": 11, "minute": 2}
